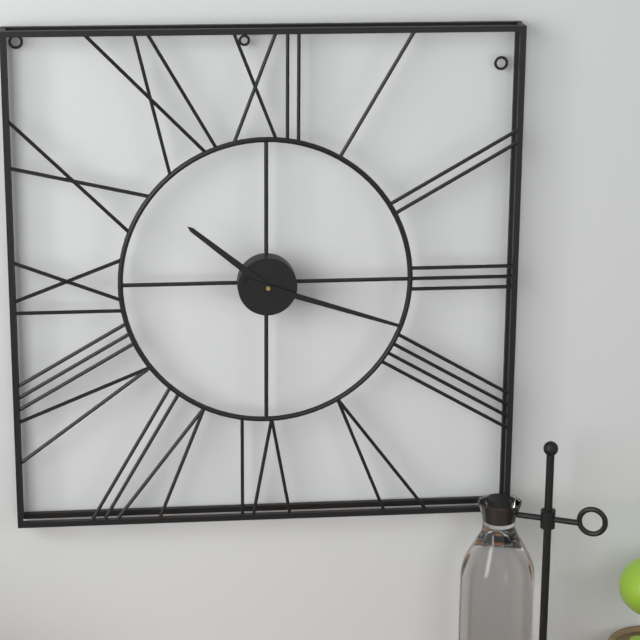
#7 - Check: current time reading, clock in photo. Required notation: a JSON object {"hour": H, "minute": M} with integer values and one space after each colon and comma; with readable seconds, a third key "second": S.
{"hour": 10, "minute": 18}
